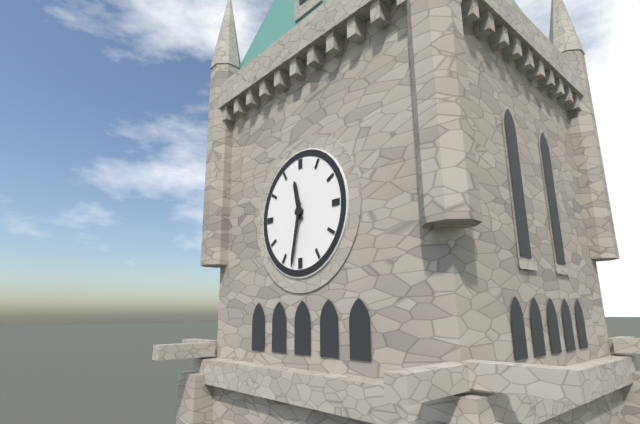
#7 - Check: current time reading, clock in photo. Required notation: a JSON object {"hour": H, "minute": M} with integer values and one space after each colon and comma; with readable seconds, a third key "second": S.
{"hour": 11, "minute": 32}
